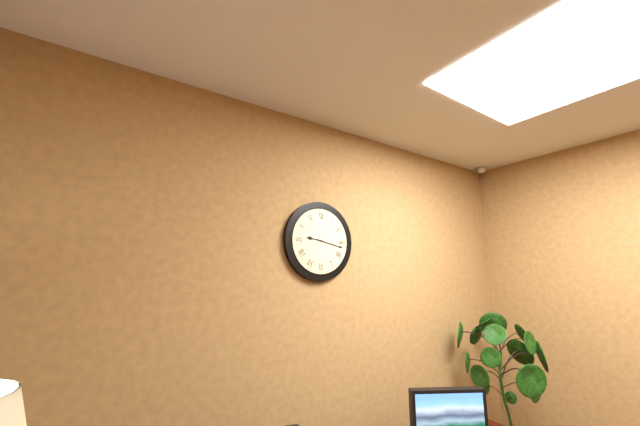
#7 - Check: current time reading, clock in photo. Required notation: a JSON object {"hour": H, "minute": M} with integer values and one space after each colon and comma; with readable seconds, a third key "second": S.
{"hour": 9, "minute": 17}
